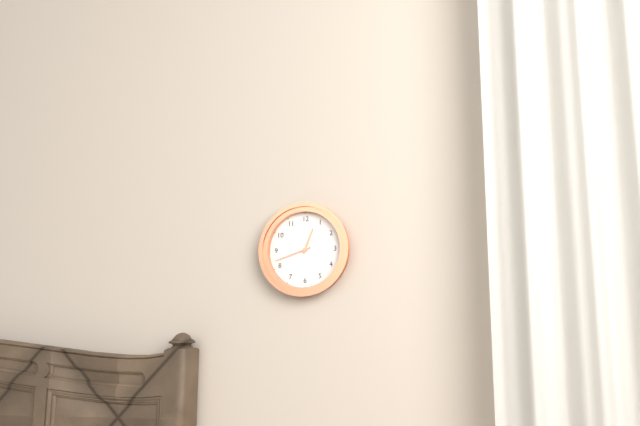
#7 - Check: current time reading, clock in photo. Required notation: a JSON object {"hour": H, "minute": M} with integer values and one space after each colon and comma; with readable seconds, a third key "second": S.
{"hour": 12, "minute": 42}
